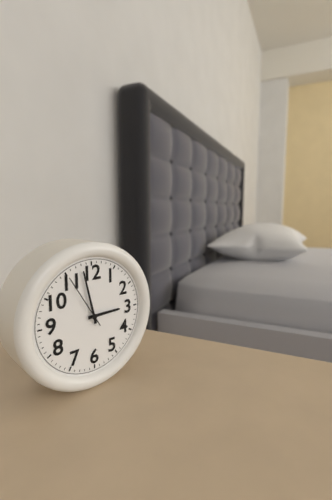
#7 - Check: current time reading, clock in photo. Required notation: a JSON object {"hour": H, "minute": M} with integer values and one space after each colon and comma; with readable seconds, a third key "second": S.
{"hour": 2, "minute": 58, "second": 55}
